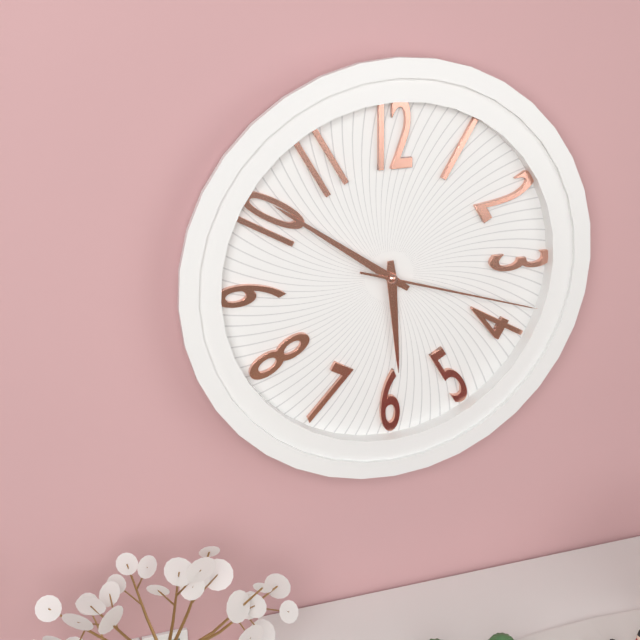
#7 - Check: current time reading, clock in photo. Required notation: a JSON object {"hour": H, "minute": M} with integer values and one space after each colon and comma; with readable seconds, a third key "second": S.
{"hour": 5, "minute": 51, "second": 18}
